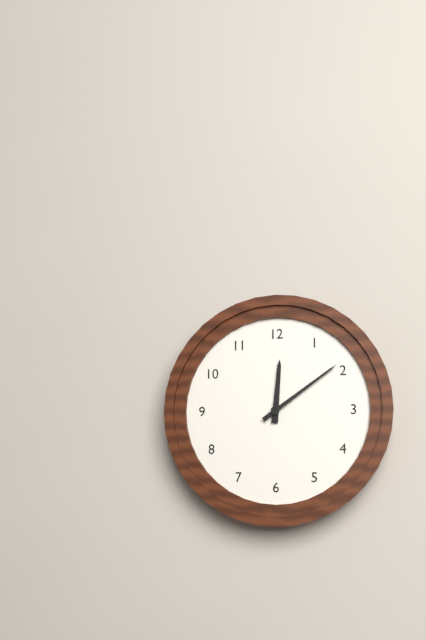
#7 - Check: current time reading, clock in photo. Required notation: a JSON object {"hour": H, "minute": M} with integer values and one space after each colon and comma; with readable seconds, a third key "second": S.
{"hour": 12, "minute": 9}
